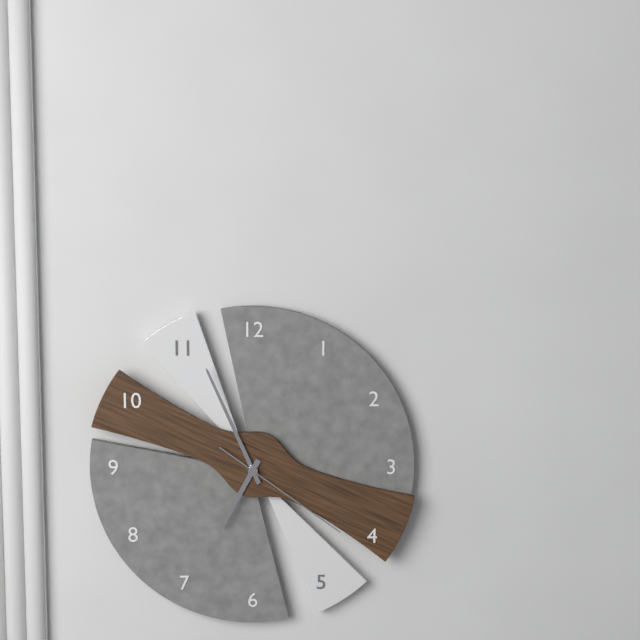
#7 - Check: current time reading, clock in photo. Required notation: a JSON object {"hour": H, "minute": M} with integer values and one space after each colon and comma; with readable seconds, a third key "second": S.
{"hour": 6, "minute": 56, "second": 21}
